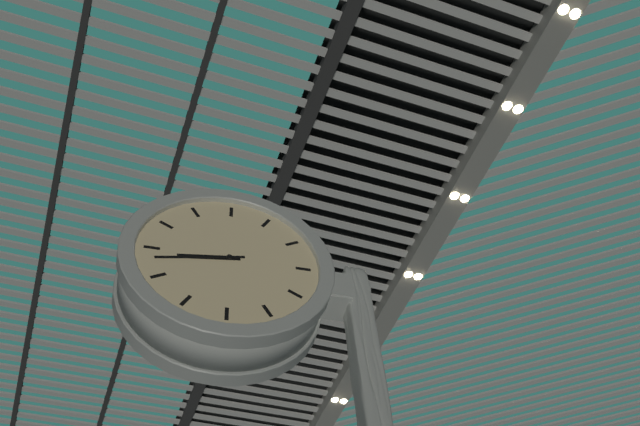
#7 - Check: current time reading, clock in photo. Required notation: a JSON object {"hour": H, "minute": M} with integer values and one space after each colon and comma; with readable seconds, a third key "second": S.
{"hour": 8, "minute": 43}
